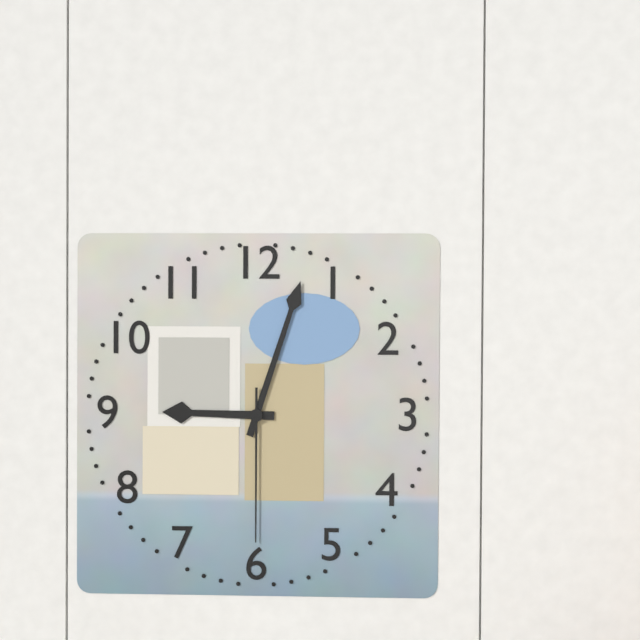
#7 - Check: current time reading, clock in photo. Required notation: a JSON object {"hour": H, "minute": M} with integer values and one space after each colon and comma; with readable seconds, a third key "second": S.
{"hour": 9, "minute": 3, "second": 30}
